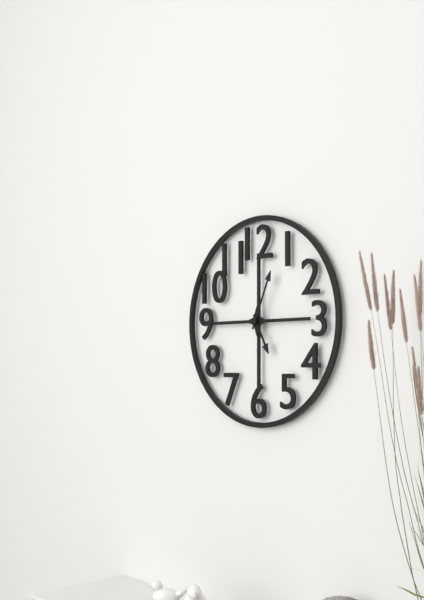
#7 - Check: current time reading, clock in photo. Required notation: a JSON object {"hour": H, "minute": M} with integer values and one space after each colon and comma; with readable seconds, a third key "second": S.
{"hour": 5, "minute": 4}
